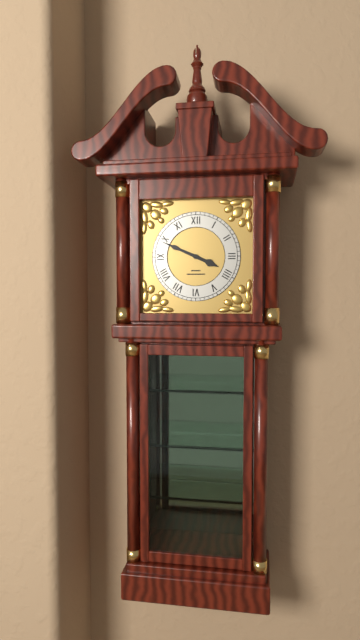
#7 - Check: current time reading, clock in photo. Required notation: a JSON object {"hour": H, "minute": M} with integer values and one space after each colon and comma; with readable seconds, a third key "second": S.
{"hour": 3, "minute": 49}
